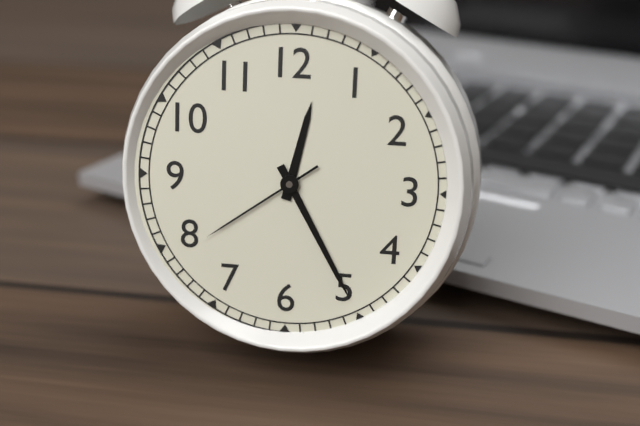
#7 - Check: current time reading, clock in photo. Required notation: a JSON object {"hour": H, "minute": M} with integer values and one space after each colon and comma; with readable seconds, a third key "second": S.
{"hour": 12, "minute": 25, "second": 39}
